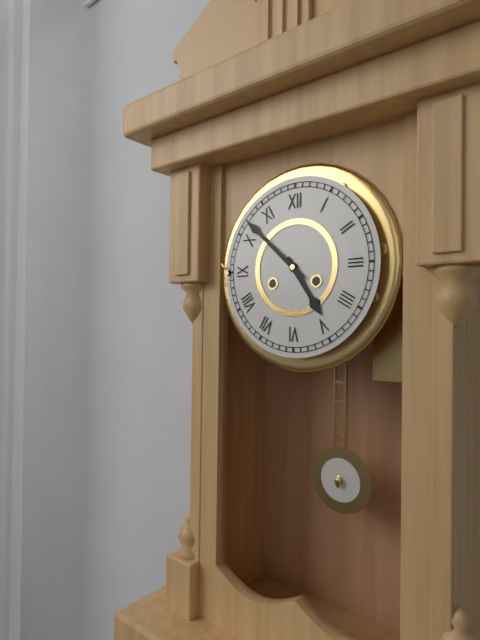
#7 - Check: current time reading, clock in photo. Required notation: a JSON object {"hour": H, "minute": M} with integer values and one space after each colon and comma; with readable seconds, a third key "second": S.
{"hour": 4, "minute": 52}
